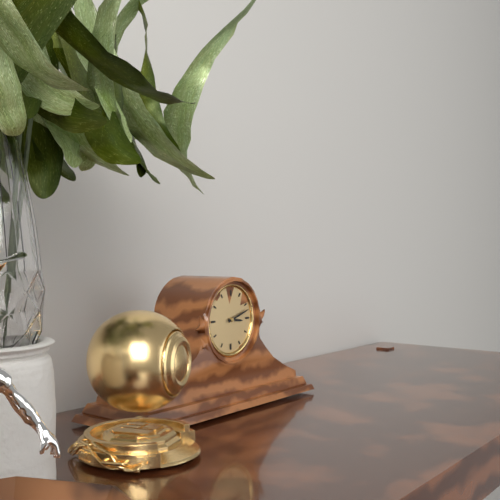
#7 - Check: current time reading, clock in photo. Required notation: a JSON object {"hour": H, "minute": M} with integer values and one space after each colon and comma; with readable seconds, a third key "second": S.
{"hour": 3, "minute": 12}
